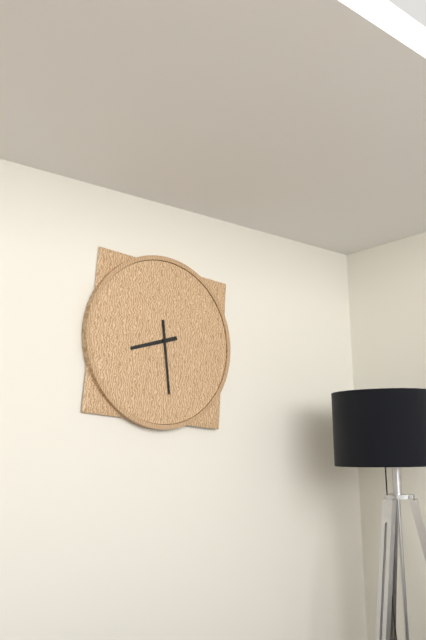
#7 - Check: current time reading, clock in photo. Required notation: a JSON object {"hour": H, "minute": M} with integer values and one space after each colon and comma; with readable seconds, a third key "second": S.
{"hour": 8, "minute": 29}
